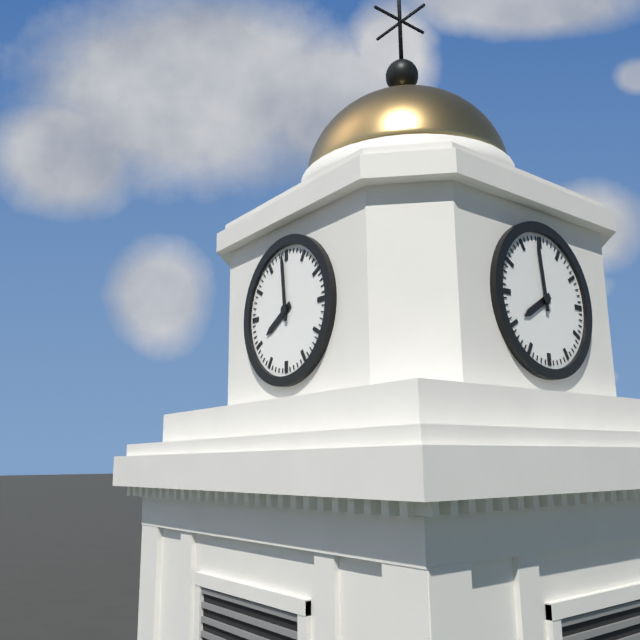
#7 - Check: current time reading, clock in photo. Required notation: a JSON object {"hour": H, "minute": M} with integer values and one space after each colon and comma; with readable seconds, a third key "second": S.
{"hour": 7, "minute": 59}
